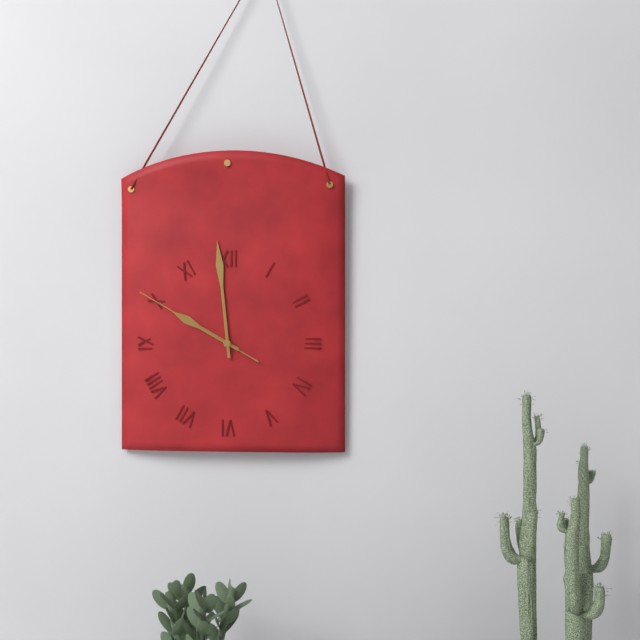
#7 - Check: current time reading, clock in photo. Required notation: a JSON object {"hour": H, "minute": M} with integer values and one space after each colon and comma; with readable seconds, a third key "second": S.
{"hour": 9, "minute": 59, "second": 50}
